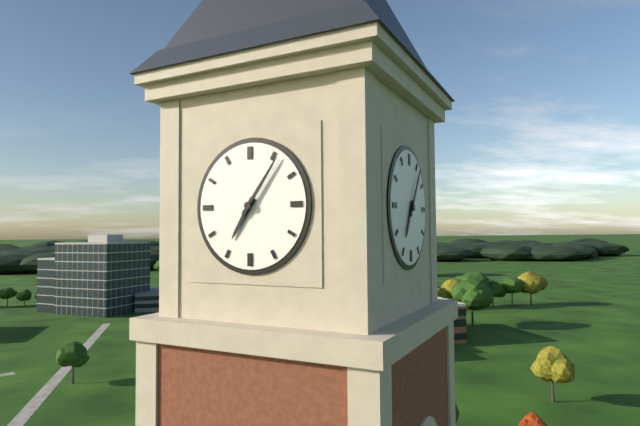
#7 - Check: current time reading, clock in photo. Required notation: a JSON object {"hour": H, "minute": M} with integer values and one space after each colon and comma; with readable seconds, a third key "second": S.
{"hour": 7, "minute": 6}
